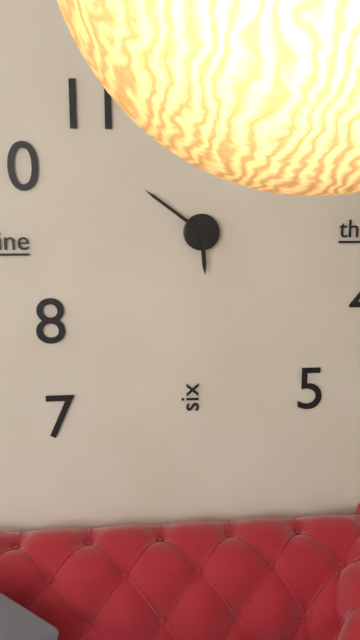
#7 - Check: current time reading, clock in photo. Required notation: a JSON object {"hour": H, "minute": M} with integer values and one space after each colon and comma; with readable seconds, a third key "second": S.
{"hour": 5, "minute": 51}
